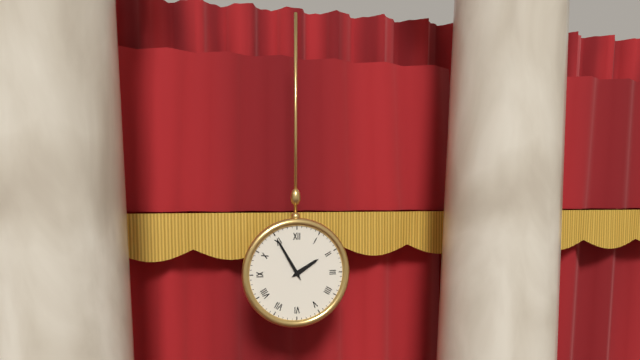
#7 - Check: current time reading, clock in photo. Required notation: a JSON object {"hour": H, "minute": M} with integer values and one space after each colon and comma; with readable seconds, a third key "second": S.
{"hour": 1, "minute": 55}
